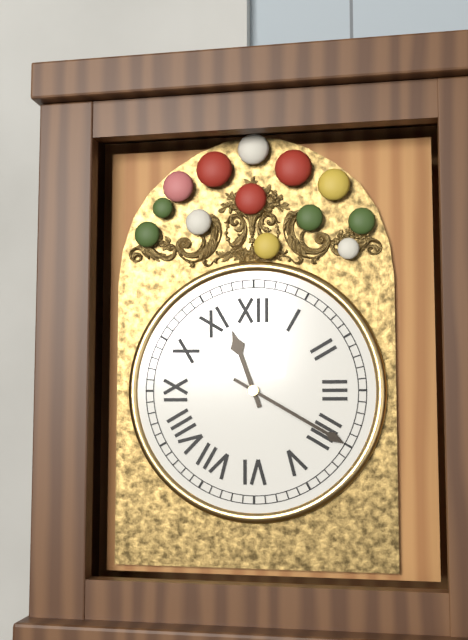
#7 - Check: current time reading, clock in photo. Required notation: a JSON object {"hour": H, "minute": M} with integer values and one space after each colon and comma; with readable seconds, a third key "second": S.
{"hour": 11, "minute": 20}
